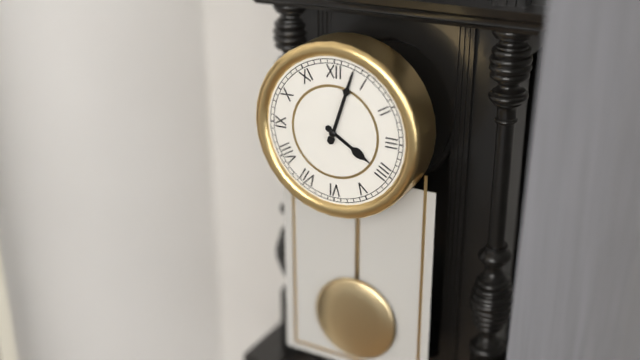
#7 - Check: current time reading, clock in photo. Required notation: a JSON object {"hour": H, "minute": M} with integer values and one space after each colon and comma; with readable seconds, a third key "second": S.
{"hour": 4, "minute": 3}
